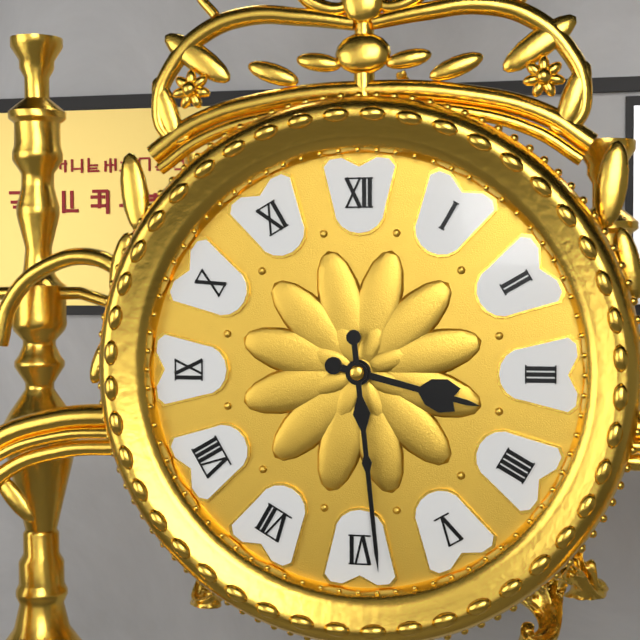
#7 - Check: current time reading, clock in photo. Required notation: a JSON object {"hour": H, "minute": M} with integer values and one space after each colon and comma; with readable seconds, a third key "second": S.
{"hour": 3, "minute": 29}
